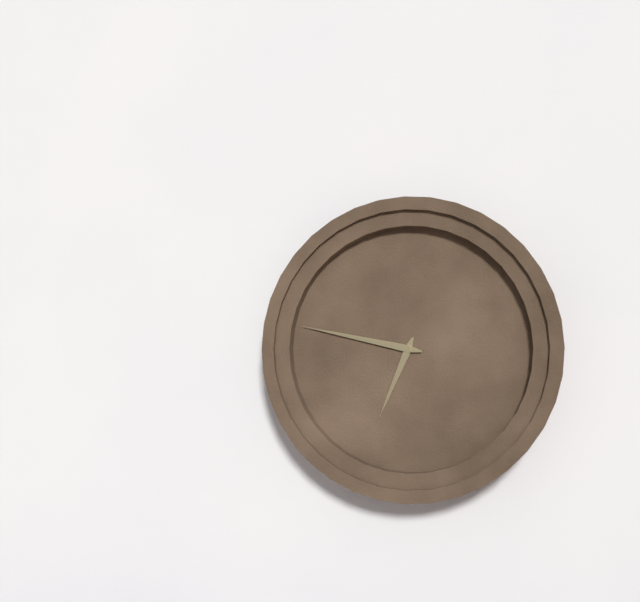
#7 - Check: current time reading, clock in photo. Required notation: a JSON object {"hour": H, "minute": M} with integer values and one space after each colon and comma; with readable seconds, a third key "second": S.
{"hour": 6, "minute": 47}
